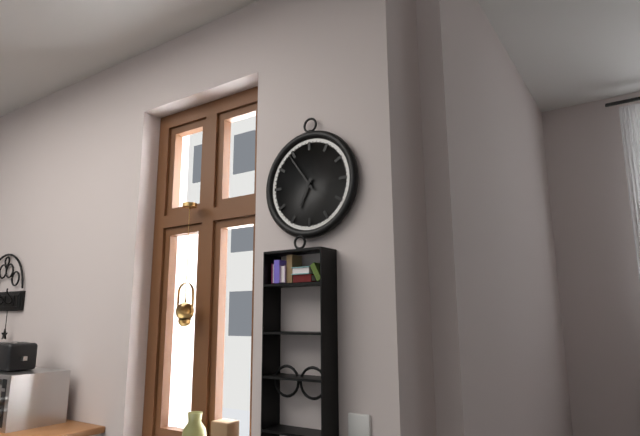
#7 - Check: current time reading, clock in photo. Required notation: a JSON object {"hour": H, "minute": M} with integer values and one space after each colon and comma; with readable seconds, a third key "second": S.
{"hour": 6, "minute": 54}
